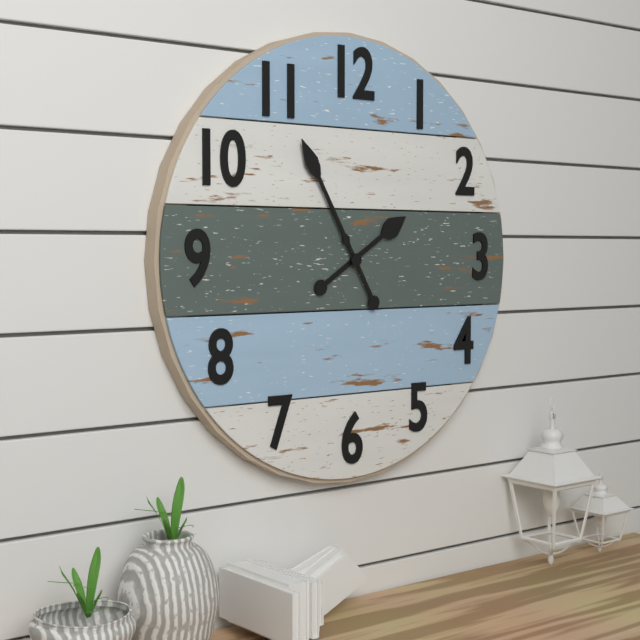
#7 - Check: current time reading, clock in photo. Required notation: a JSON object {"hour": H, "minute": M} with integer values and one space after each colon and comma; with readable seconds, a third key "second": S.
{"hour": 1, "minute": 55}
